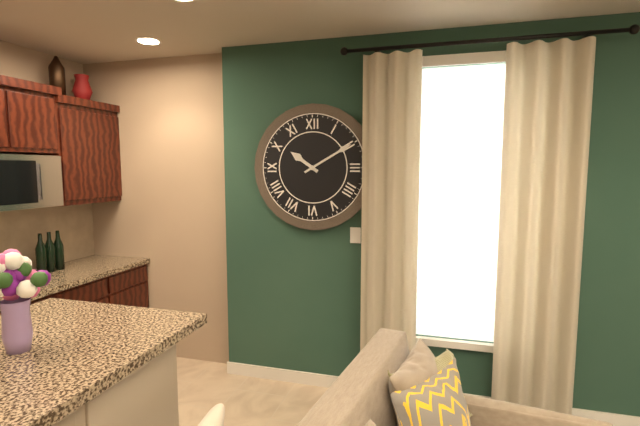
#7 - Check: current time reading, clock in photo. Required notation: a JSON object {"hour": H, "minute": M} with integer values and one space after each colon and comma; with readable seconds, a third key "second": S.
{"hour": 10, "minute": 10}
